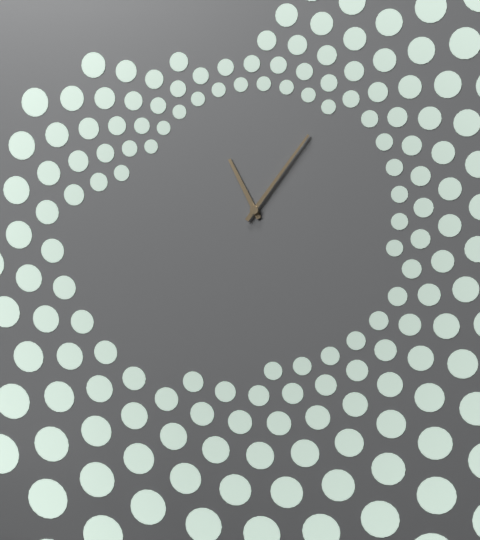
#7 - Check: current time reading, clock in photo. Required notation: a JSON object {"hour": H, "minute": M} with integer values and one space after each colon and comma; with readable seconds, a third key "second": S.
{"hour": 11, "minute": 6}
